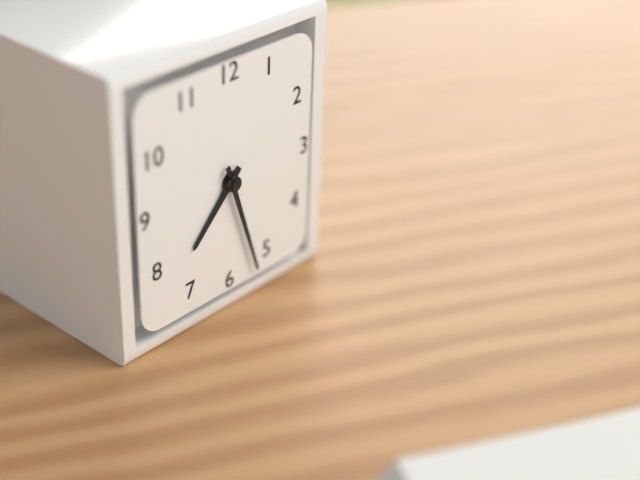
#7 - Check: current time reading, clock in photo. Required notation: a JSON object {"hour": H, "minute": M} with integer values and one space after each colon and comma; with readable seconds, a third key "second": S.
{"hour": 7, "minute": 27}
